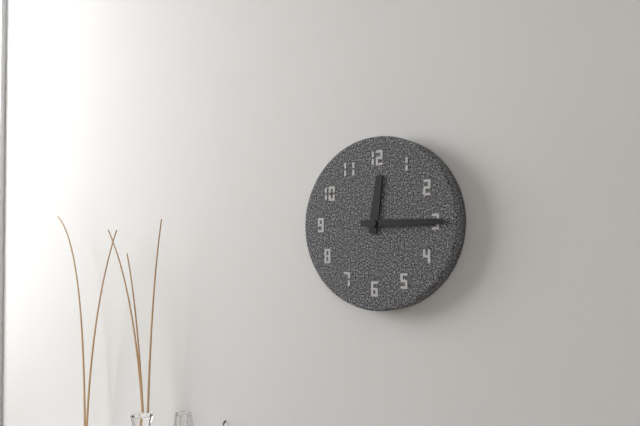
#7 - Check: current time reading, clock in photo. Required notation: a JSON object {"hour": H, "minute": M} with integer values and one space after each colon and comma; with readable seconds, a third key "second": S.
{"hour": 12, "minute": 15}
